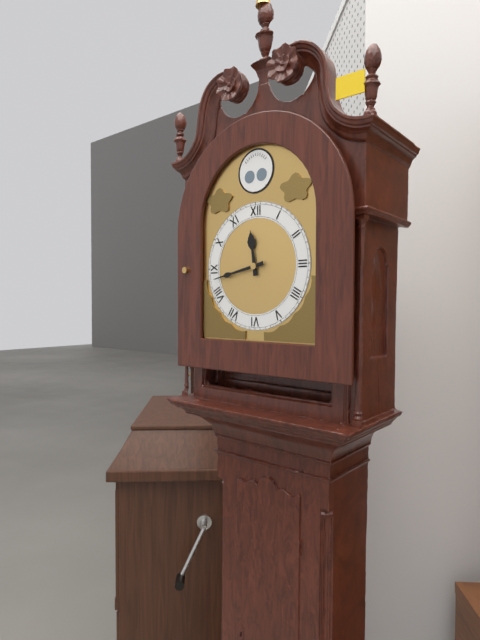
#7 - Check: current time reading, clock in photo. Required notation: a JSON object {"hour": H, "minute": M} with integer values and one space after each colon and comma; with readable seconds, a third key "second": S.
{"hour": 11, "minute": 43}
